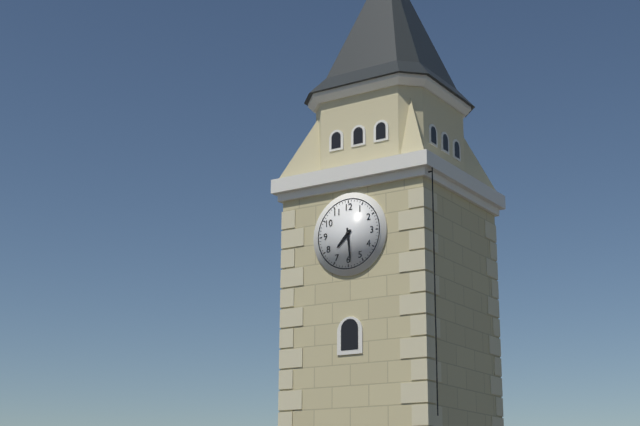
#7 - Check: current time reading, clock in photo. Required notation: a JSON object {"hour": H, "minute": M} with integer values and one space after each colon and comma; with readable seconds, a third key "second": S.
{"hour": 7, "minute": 29}
